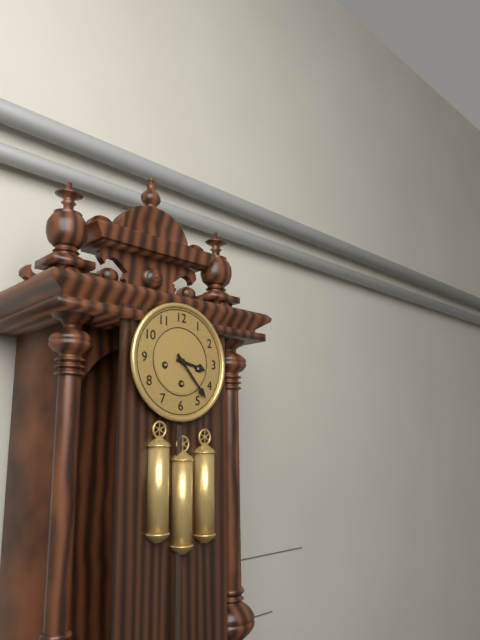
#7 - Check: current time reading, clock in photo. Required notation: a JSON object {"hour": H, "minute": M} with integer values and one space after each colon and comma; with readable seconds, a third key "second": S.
{"hour": 3, "minute": 23}
